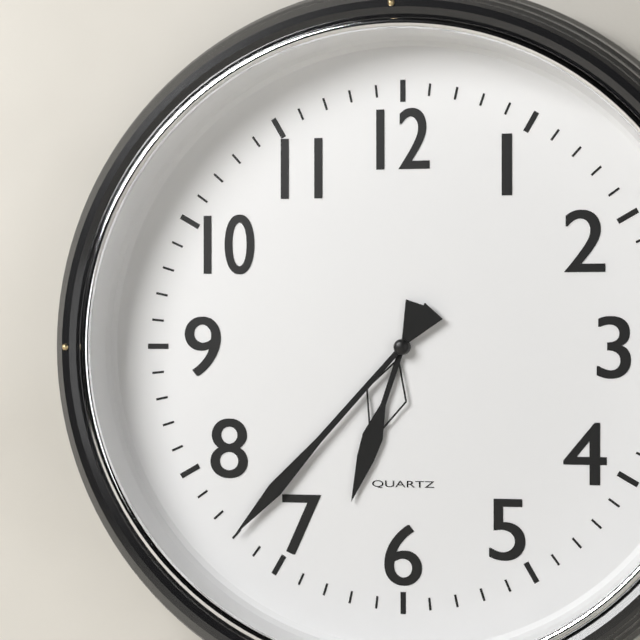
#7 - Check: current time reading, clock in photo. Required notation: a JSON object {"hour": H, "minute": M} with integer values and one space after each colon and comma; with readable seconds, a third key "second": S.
{"hour": 6, "minute": 37}
